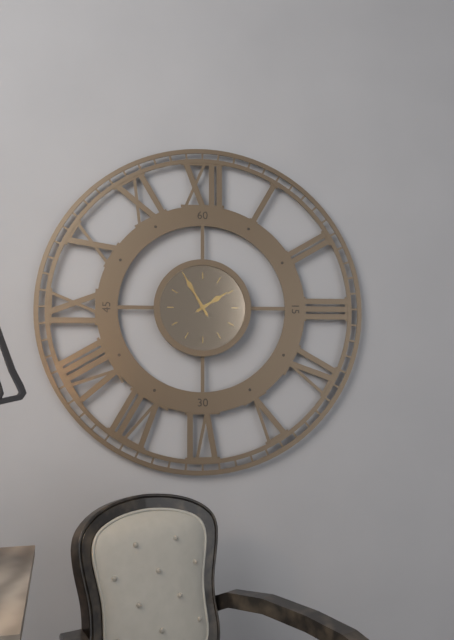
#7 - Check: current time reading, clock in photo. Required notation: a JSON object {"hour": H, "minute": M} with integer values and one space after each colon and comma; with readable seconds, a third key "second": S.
{"hour": 1, "minute": 55}
